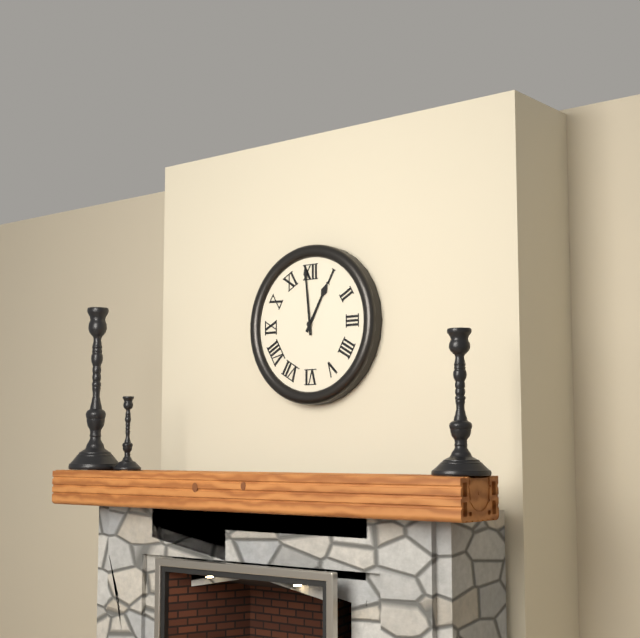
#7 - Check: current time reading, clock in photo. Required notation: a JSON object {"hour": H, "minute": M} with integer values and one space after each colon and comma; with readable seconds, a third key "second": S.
{"hour": 12, "minute": 59}
